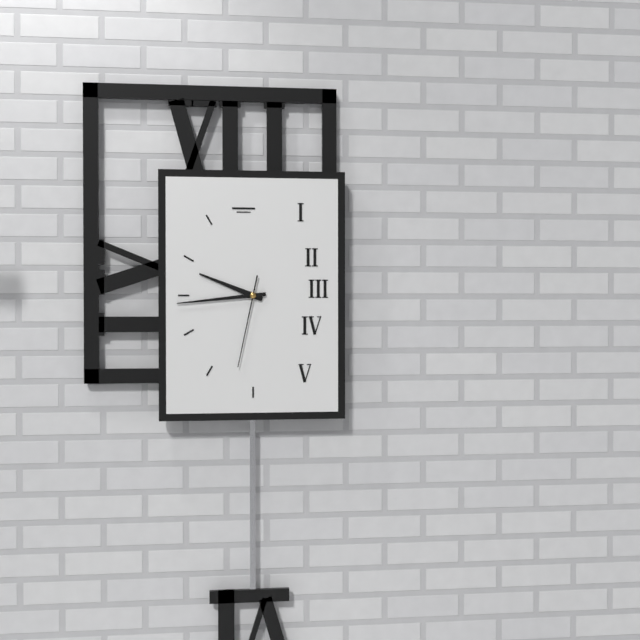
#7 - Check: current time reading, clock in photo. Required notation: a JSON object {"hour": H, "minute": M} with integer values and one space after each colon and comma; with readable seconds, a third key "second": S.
{"hour": 9, "minute": 44, "second": 32}
